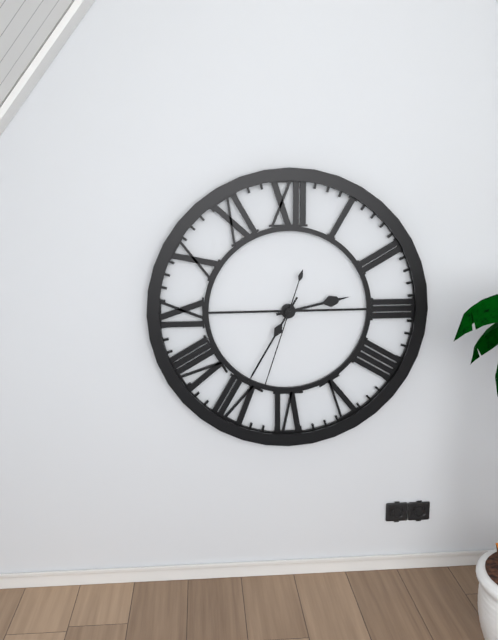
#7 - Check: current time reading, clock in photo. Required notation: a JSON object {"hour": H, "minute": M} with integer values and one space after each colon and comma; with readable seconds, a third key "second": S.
{"hour": 2, "minute": 35, "second": 33}
